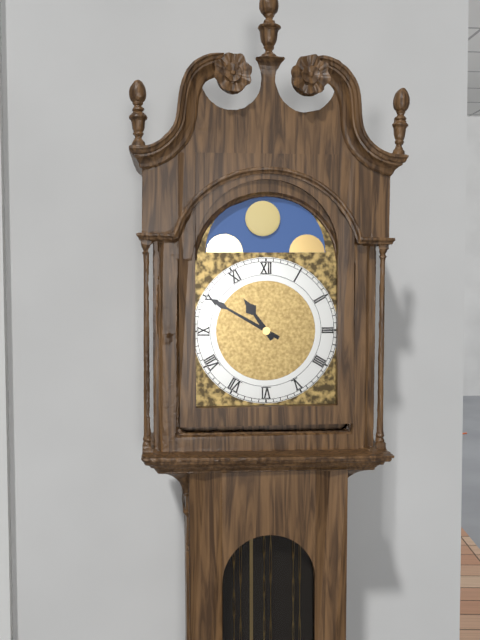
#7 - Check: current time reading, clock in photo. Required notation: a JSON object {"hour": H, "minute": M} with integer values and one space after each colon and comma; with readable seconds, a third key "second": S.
{"hour": 10, "minute": 50}
